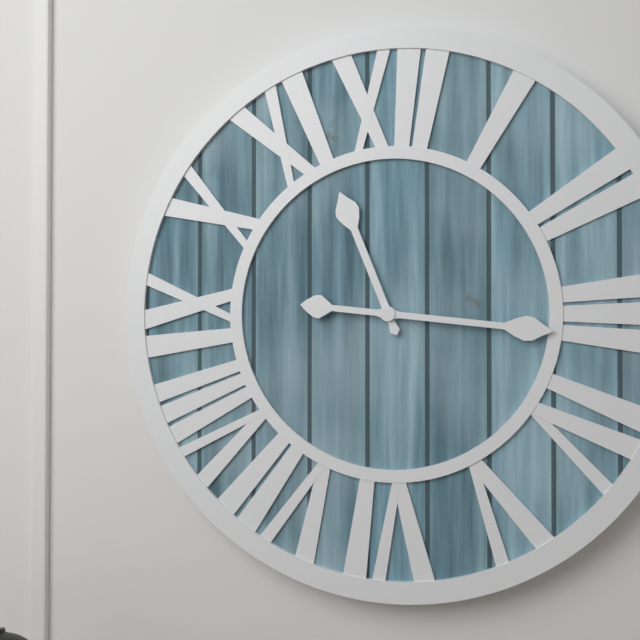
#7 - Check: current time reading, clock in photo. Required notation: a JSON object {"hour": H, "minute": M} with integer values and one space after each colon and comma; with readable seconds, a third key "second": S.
{"hour": 11, "minute": 16}
